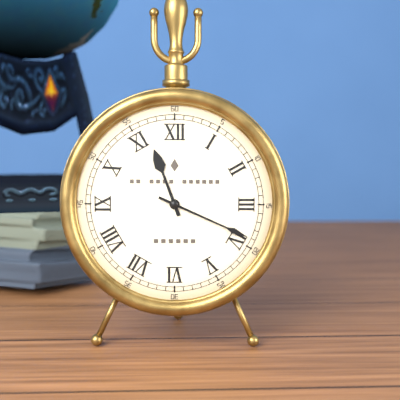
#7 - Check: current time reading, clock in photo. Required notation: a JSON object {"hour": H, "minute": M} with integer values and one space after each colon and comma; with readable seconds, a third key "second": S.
{"hour": 11, "minute": 19}
